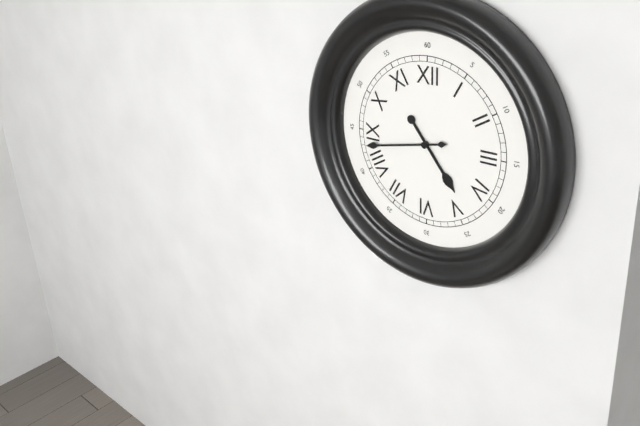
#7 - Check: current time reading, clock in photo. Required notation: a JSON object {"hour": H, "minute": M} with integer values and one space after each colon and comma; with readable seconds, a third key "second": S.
{"hour": 4, "minute": 43}
